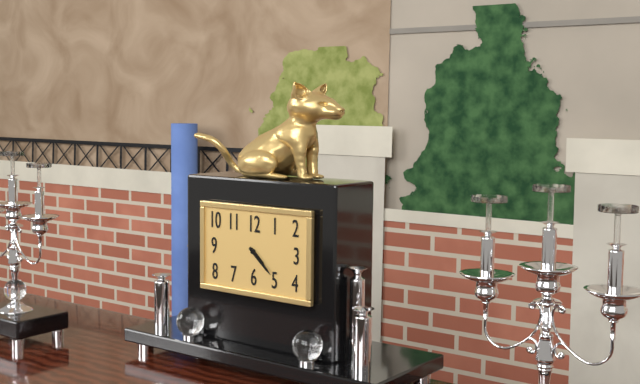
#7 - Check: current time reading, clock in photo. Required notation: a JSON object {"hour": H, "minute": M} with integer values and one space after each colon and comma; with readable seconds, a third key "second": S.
{"hour": 4, "minute": 22}
